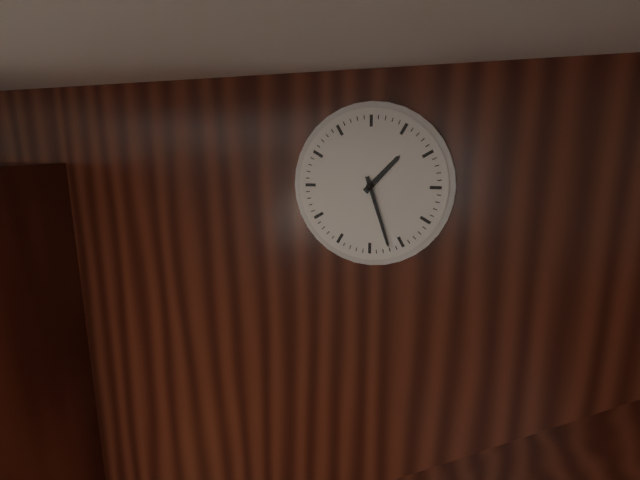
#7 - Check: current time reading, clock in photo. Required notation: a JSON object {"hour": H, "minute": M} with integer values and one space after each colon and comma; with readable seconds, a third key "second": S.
{"hour": 1, "minute": 27}
